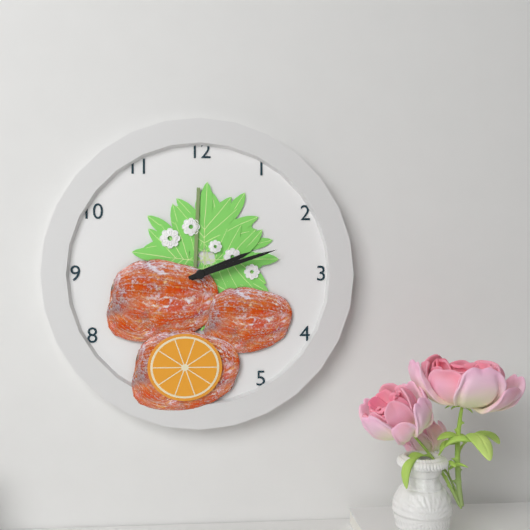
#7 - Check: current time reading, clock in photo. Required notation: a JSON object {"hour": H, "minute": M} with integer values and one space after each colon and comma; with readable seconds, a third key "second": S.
{"hour": 2, "minute": 12}
